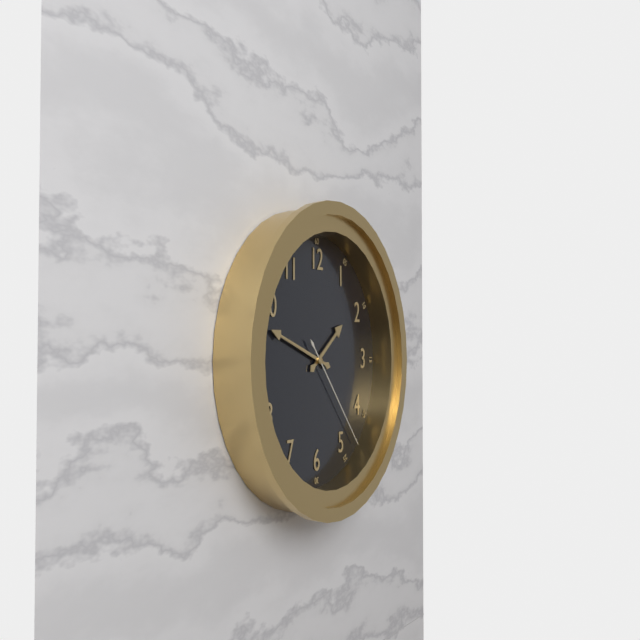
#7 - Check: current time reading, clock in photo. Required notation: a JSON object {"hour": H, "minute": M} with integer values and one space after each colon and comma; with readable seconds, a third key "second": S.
{"hour": 1, "minute": 48, "second": 23}
